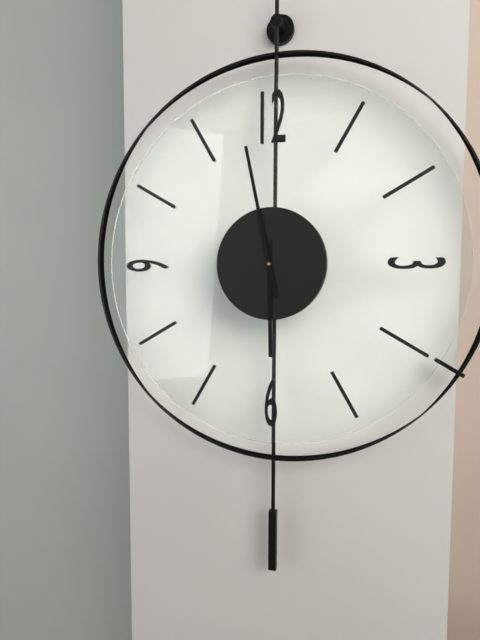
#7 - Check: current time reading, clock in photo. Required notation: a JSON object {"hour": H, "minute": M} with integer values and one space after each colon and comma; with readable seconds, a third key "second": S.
{"hour": 5, "minute": 58}
